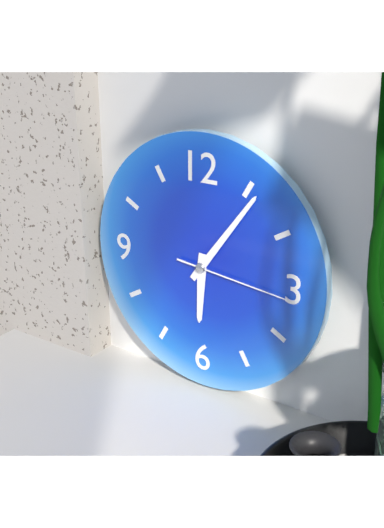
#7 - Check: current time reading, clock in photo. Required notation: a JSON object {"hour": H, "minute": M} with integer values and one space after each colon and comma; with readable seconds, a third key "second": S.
{"hour": 6, "minute": 6, "second": 16}
